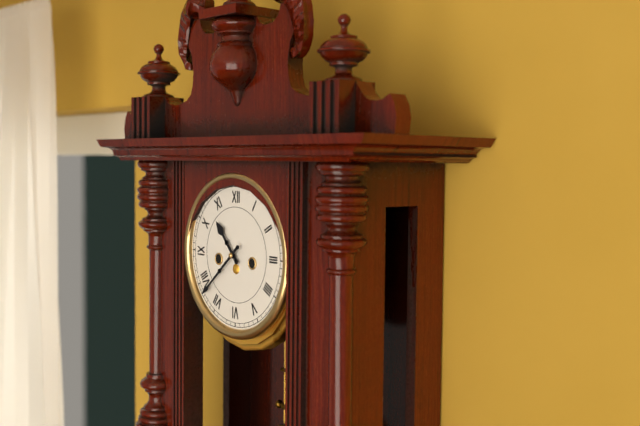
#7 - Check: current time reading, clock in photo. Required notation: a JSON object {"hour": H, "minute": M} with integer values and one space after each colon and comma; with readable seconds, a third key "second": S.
{"hour": 10, "minute": 38}
